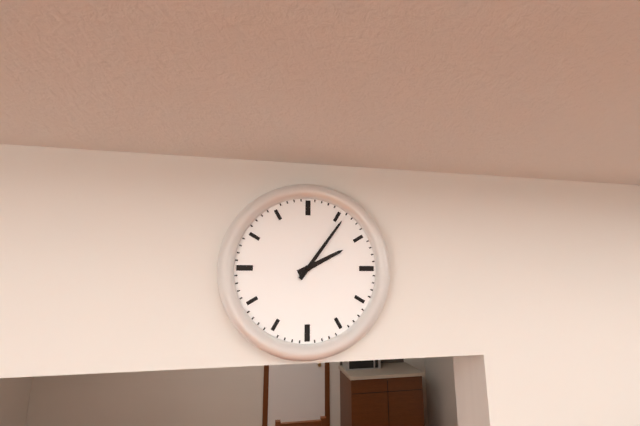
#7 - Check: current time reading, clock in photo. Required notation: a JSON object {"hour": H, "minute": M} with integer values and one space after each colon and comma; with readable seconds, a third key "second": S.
{"hour": 2, "minute": 6}
